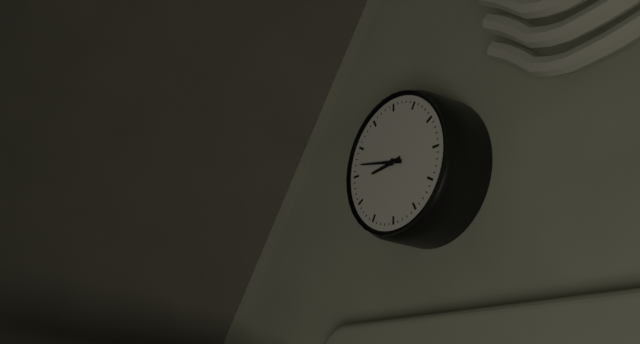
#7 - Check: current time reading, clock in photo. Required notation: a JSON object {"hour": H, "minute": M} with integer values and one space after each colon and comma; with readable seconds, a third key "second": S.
{"hour": 8, "minute": 47}
